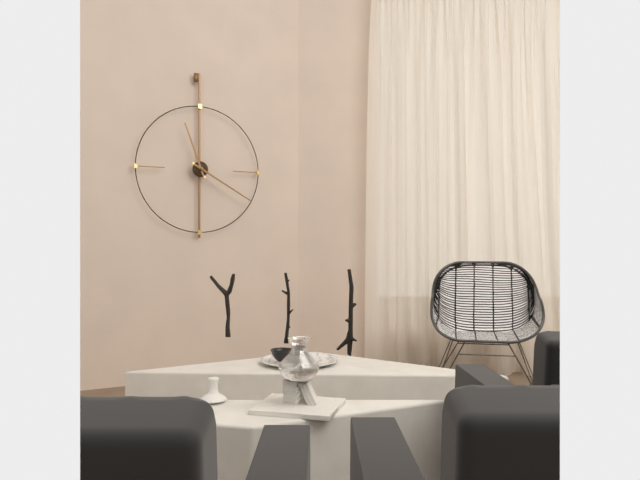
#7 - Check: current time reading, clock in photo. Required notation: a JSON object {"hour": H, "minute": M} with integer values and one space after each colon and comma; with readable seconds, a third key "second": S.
{"hour": 11, "minute": 20}
